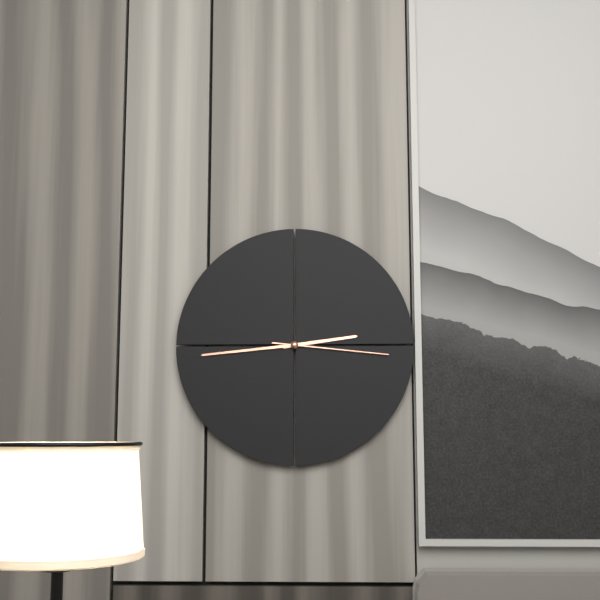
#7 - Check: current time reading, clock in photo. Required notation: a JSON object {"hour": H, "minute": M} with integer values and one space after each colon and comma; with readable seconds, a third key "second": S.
{"hour": 2, "minute": 44, "second": 16}
